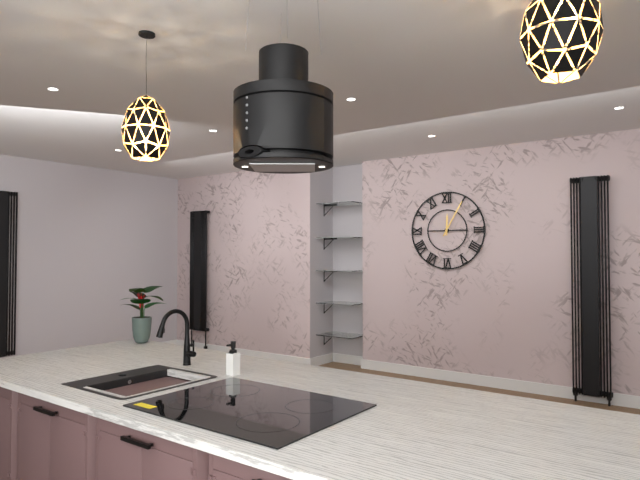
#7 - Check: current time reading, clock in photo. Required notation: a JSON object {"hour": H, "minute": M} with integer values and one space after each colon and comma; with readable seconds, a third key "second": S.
{"hour": 12, "minute": 5}
